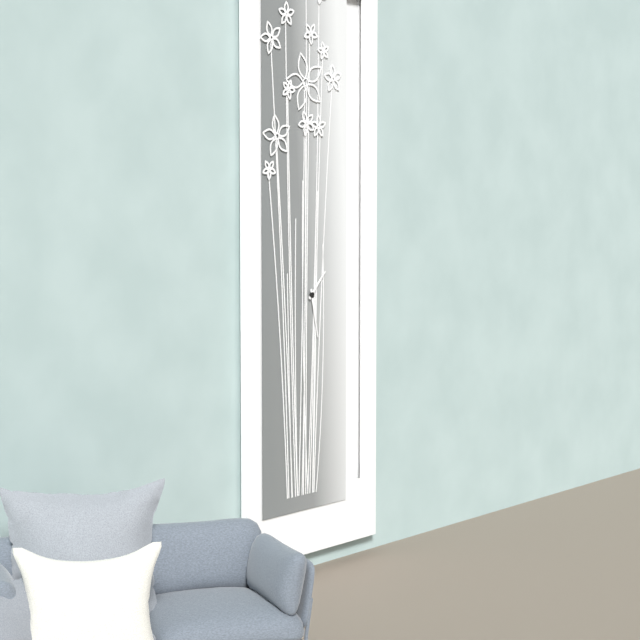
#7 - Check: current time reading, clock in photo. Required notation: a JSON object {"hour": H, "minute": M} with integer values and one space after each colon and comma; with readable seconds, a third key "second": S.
{"hour": 1, "minute": 28}
